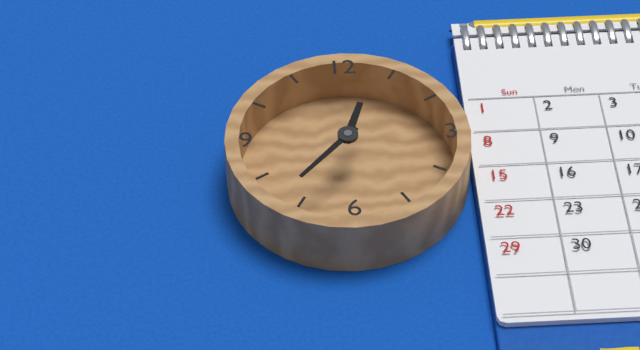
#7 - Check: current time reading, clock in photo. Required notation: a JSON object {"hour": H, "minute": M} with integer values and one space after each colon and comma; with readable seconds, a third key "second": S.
{"hour": 12, "minute": 37}
